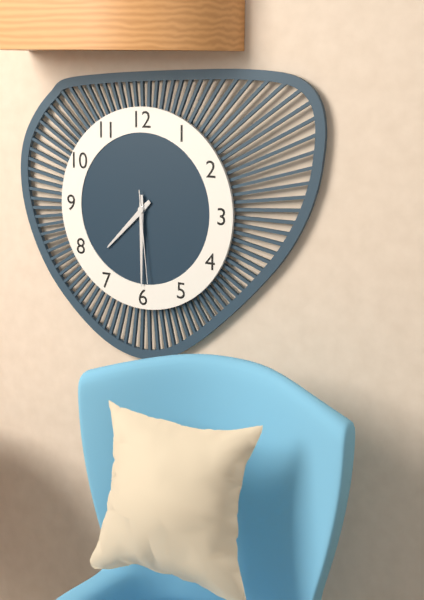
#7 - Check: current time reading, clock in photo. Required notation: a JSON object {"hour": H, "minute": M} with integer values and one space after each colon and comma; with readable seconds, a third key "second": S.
{"hour": 7, "minute": 30, "second": 29}
